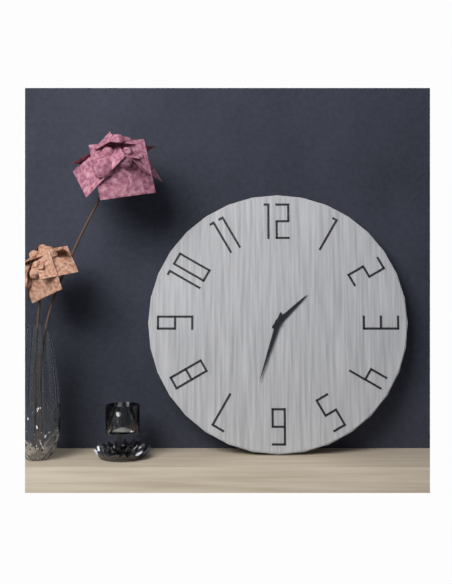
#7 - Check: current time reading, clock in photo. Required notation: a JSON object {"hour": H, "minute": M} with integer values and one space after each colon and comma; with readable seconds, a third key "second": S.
{"hour": 1, "minute": 33}
